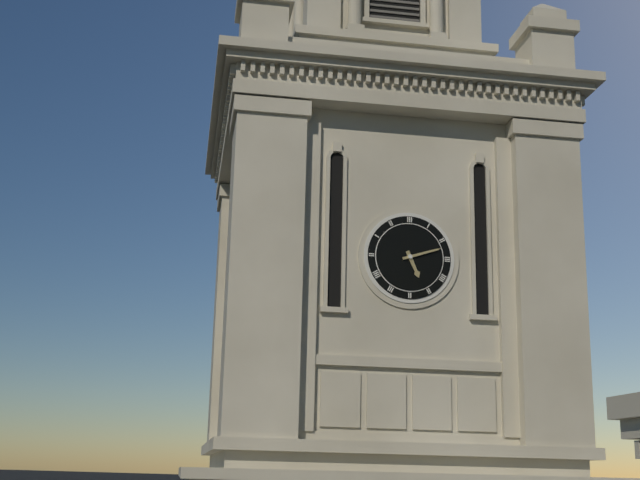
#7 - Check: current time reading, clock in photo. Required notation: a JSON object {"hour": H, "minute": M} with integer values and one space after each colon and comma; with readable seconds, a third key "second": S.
{"hour": 5, "minute": 12}
